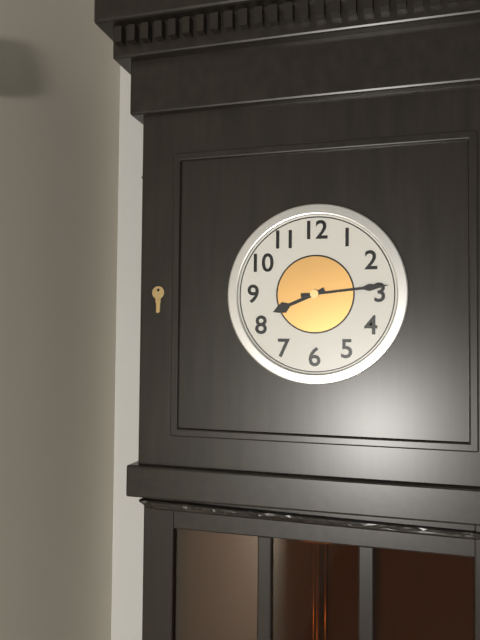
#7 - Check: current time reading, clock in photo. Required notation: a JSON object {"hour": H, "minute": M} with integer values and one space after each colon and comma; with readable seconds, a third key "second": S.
{"hour": 8, "minute": 14}
